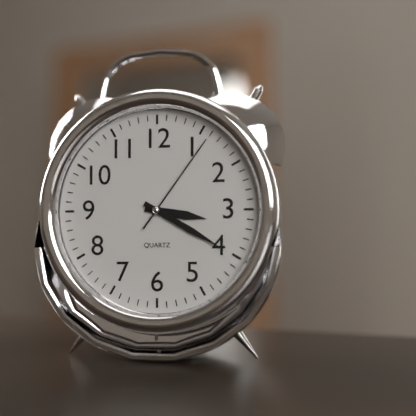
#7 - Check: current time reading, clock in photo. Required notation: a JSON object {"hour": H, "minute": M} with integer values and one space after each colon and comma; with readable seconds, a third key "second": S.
{"hour": 3, "minute": 20, "second": 6}
